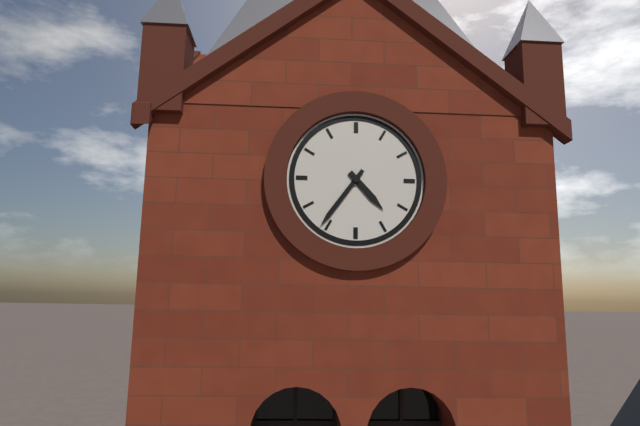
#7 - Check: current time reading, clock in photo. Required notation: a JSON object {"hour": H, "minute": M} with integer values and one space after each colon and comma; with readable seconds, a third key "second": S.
{"hour": 4, "minute": 36}
